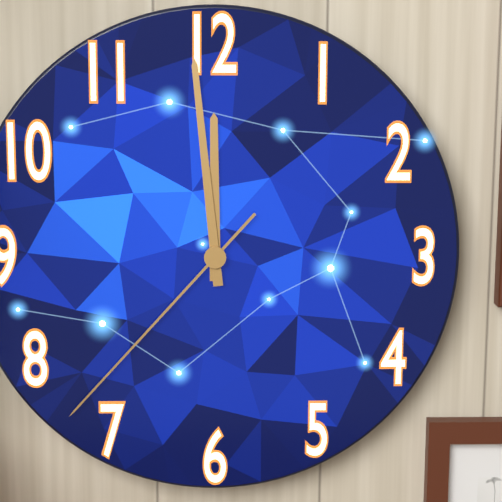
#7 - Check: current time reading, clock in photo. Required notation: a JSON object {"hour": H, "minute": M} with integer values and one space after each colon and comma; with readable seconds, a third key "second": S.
{"hour": 11, "minute": 59, "second": 37}
